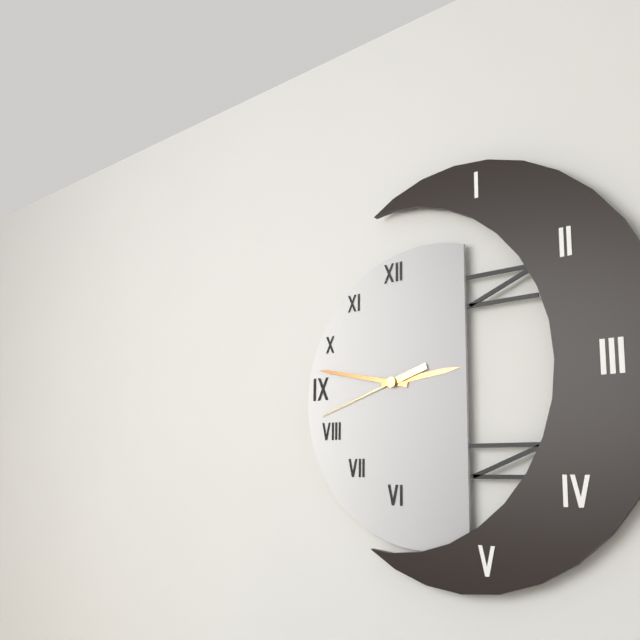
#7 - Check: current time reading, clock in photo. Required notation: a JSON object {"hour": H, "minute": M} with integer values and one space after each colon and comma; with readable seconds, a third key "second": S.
{"hour": 2, "minute": 47, "second": 42}
